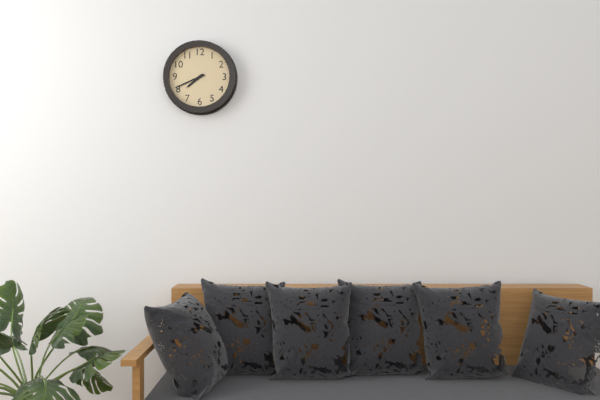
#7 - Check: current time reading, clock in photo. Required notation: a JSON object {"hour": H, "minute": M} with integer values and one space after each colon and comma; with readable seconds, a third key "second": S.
{"hour": 7, "minute": 41}
